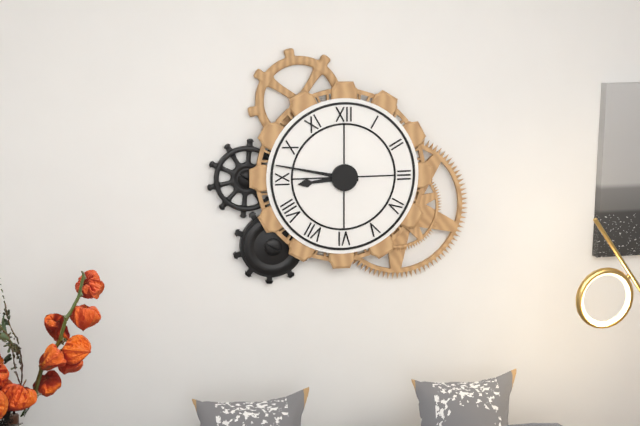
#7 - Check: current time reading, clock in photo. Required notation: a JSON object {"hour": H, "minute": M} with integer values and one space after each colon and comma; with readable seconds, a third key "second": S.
{"hour": 8, "minute": 47}
